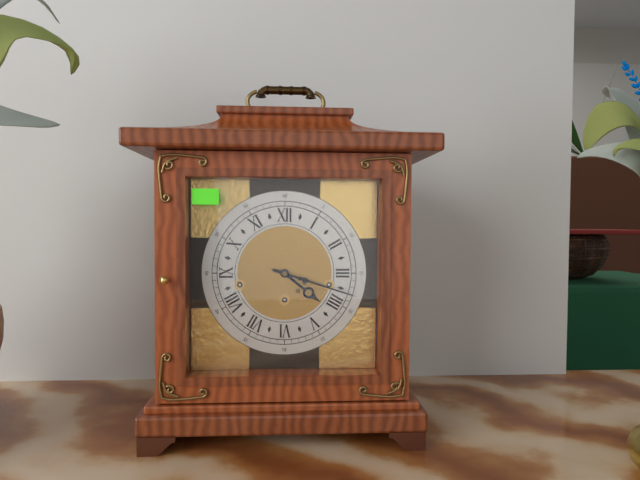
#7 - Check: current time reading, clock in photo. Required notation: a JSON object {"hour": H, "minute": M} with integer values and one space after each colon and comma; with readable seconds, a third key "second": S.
{"hour": 4, "minute": 18}
